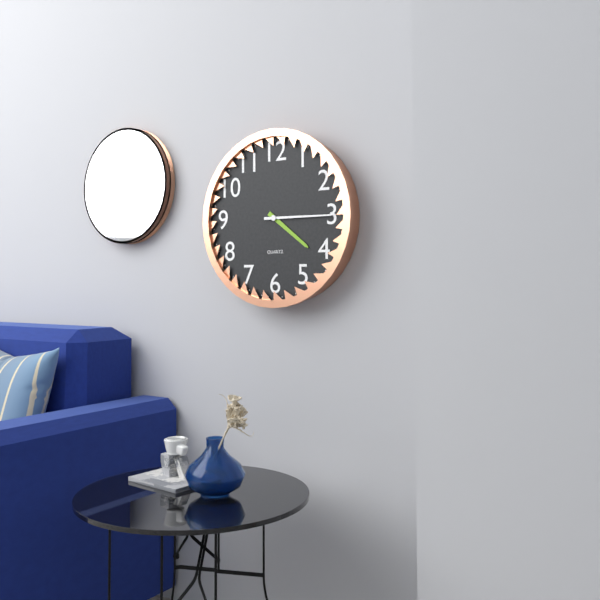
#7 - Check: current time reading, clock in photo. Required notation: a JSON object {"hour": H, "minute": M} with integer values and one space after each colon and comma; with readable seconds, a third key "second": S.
{"hour": 4, "minute": 15}
